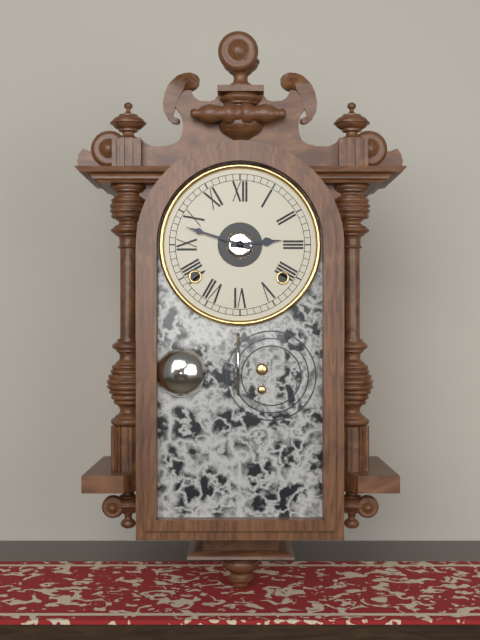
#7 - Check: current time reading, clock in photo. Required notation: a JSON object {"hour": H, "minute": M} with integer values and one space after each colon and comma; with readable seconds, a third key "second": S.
{"hour": 2, "minute": 48}
